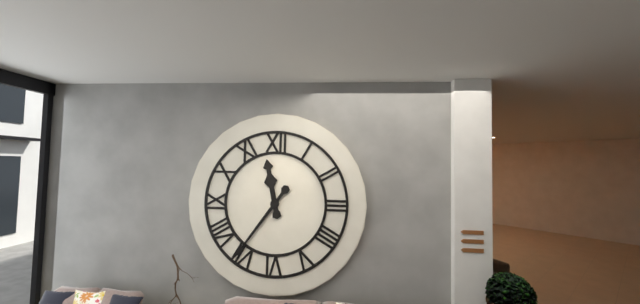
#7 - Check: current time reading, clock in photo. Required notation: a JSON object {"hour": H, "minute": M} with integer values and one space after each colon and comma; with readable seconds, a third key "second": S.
{"hour": 11, "minute": 36}
